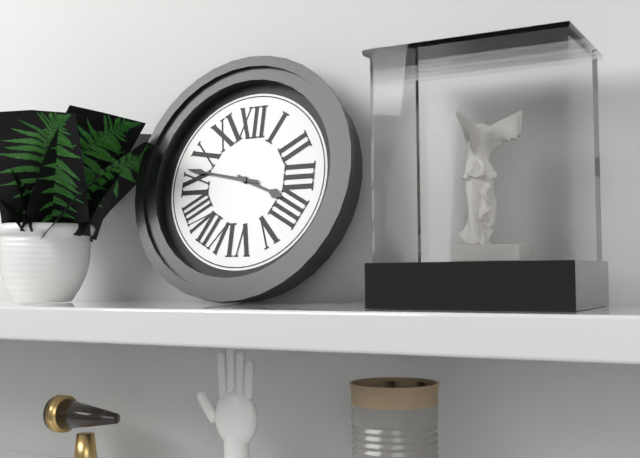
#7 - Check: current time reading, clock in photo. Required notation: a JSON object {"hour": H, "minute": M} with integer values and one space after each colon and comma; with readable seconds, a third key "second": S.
{"hour": 3, "minute": 47}
